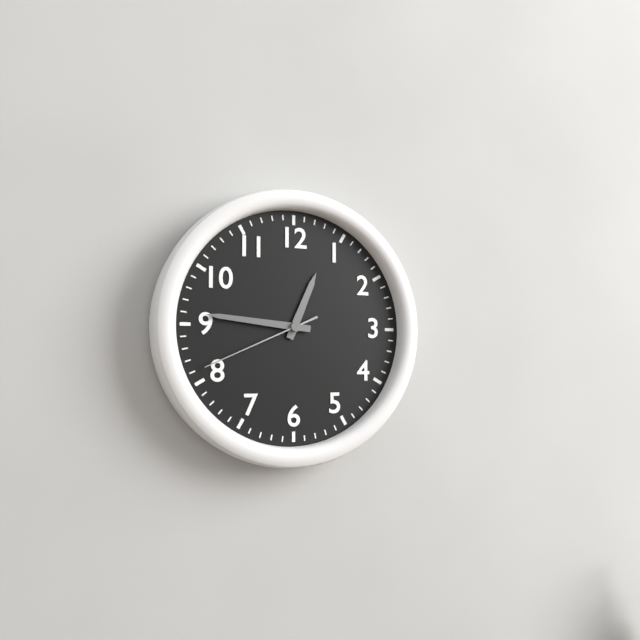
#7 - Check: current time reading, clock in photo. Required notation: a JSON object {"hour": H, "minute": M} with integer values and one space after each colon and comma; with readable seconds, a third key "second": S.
{"hour": 12, "minute": 46, "second": 41}
